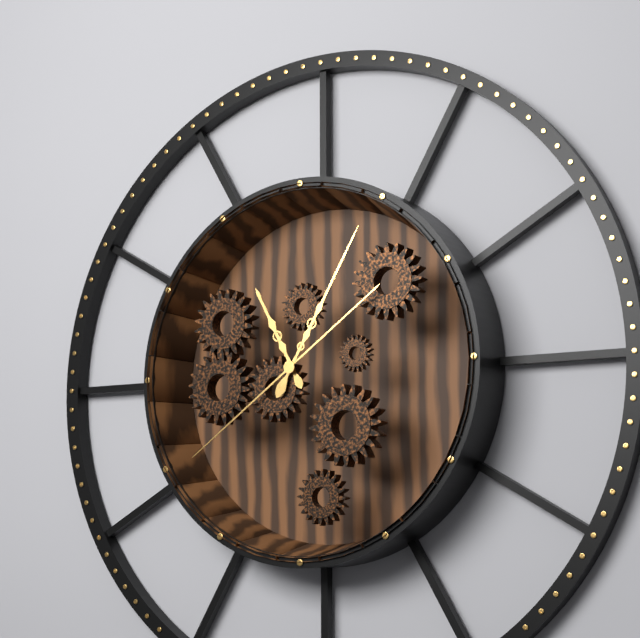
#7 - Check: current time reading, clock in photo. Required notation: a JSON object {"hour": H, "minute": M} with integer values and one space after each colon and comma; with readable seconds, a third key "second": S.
{"hour": 11, "minute": 5, "second": 39}
